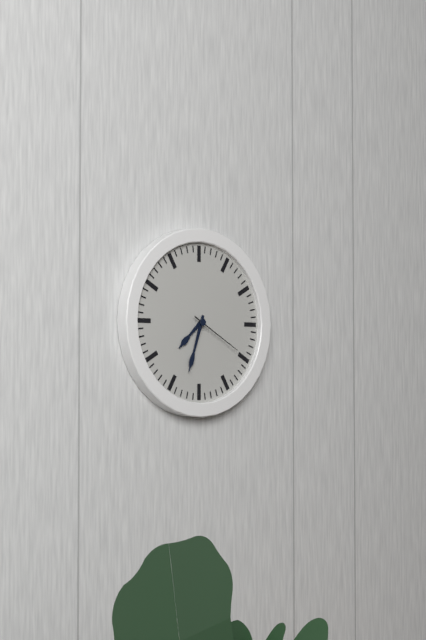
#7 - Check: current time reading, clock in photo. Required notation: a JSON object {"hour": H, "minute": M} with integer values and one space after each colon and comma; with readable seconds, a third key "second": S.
{"hour": 7, "minute": 33, "second": 20}
